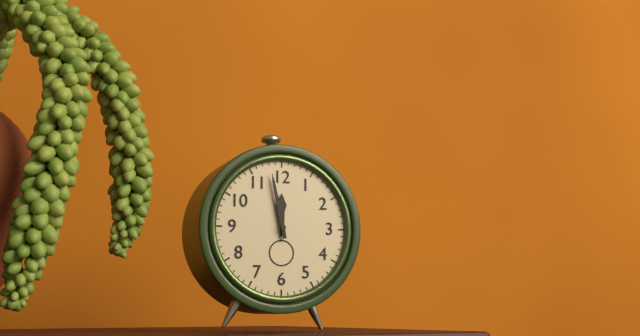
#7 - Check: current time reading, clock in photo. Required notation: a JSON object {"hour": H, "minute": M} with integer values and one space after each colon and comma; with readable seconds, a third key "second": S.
{"hour": 11, "minute": 58}
